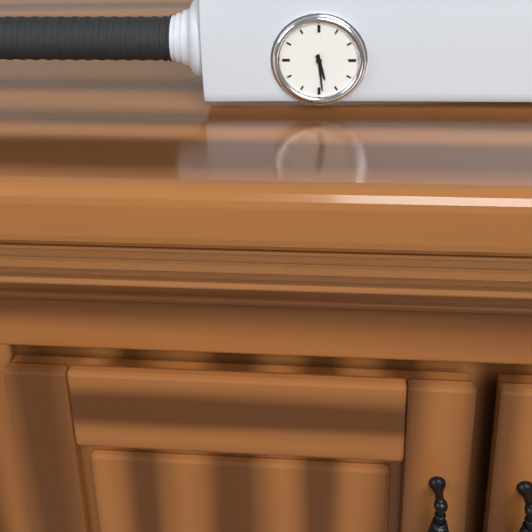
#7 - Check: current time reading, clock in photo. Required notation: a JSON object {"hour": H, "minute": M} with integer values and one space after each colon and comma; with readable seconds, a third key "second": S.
{"hour": 5, "minute": 29}
